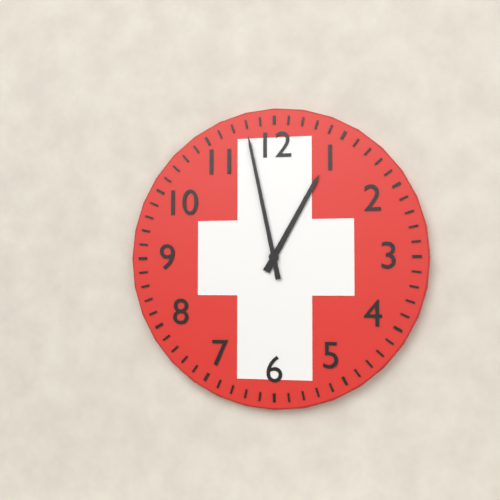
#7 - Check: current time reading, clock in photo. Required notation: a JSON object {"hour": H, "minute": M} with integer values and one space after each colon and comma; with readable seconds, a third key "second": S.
{"hour": 12, "minute": 58}
